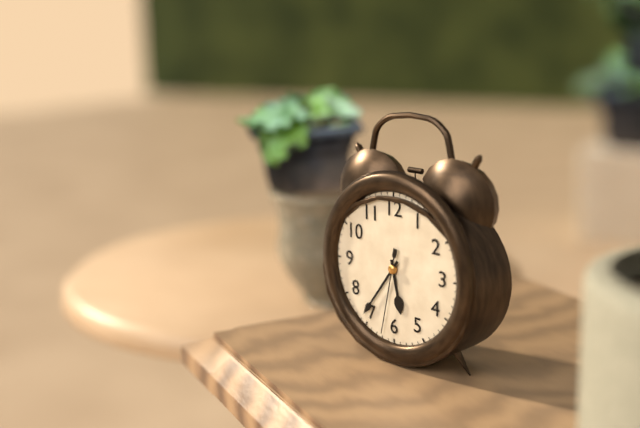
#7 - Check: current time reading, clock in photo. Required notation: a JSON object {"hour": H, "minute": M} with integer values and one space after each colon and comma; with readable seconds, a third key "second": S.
{"hour": 5, "minute": 36, "second": 32}
